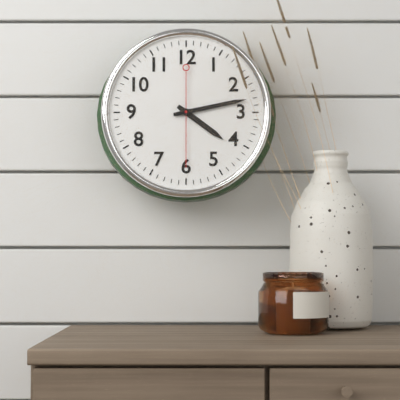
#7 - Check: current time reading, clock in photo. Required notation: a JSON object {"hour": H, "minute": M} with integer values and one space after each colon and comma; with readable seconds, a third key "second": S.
{"hour": 4, "minute": 13, "second": 30}
